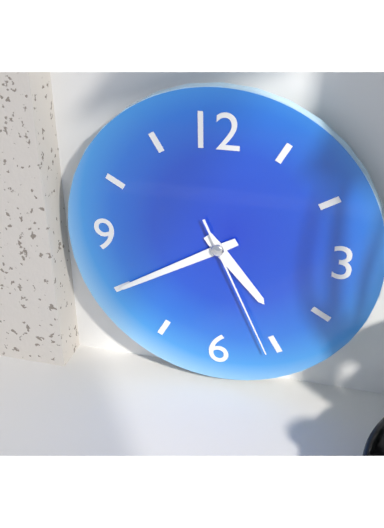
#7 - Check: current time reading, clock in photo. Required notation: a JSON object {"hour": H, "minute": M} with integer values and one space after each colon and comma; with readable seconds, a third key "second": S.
{"hour": 4, "minute": 40, "second": 26}
